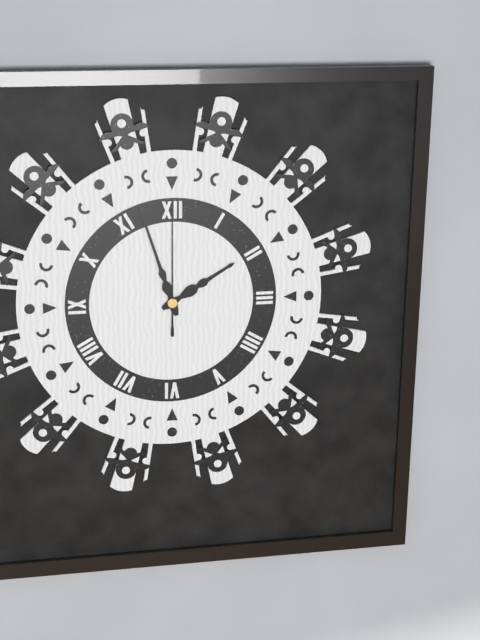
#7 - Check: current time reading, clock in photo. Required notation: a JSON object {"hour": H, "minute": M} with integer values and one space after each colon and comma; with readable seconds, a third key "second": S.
{"hour": 1, "minute": 57, "second": 0}
